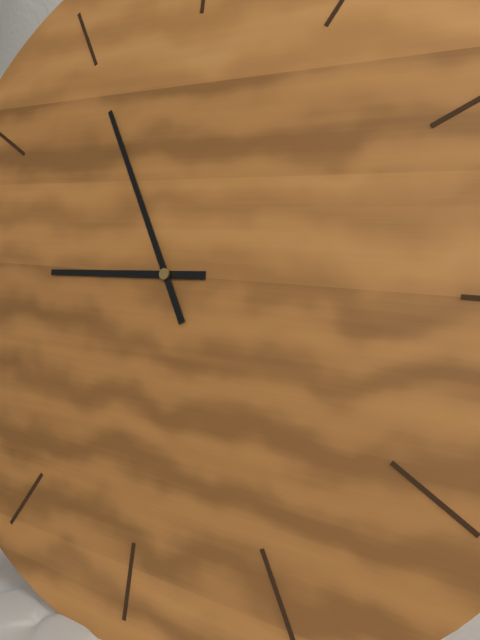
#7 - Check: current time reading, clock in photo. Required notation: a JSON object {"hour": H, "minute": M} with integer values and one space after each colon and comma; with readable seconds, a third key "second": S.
{"hour": 8, "minute": 55}
